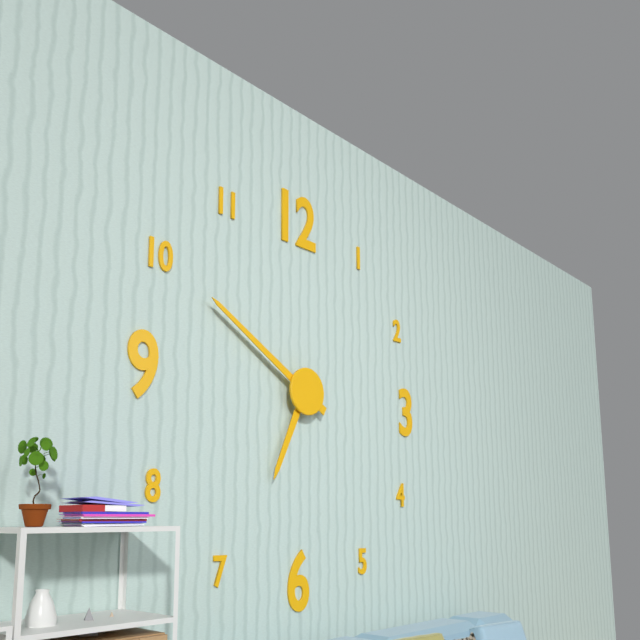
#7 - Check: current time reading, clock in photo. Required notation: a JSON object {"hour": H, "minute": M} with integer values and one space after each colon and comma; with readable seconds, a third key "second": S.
{"hour": 6, "minute": 50}
